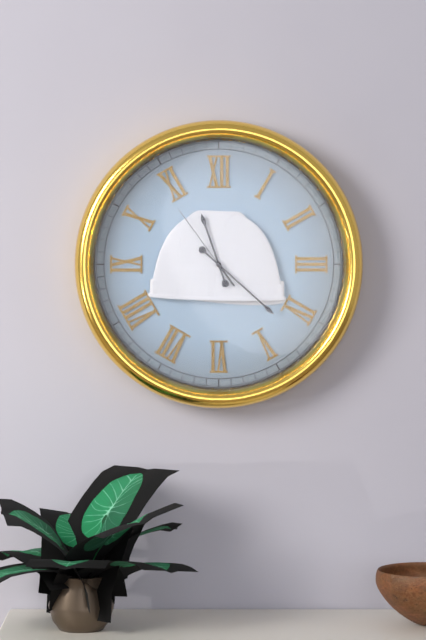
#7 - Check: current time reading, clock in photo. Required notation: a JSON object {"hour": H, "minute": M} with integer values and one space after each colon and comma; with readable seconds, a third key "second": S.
{"hour": 11, "minute": 22, "second": 54}
